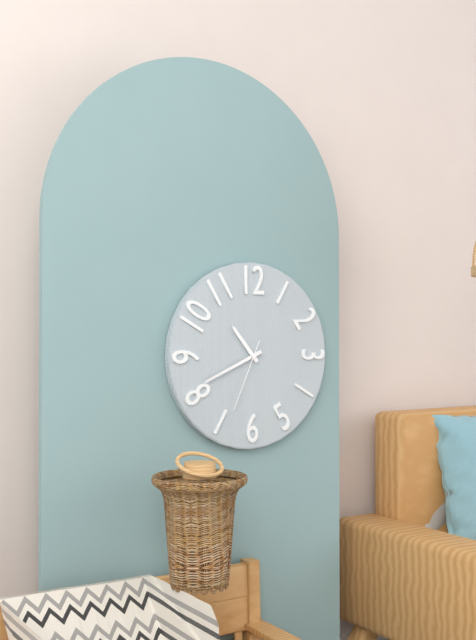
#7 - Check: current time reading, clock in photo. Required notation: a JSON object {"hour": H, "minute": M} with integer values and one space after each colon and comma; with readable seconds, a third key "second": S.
{"hour": 10, "minute": 41, "second": 34}
